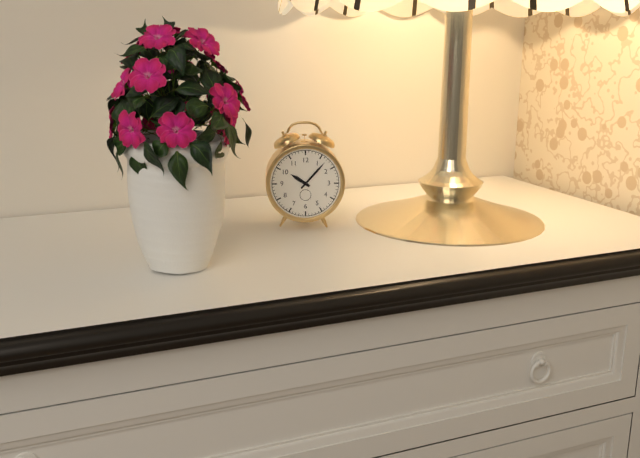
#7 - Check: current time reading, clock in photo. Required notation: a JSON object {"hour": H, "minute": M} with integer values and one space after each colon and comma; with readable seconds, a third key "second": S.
{"hour": 10, "minute": 7}
